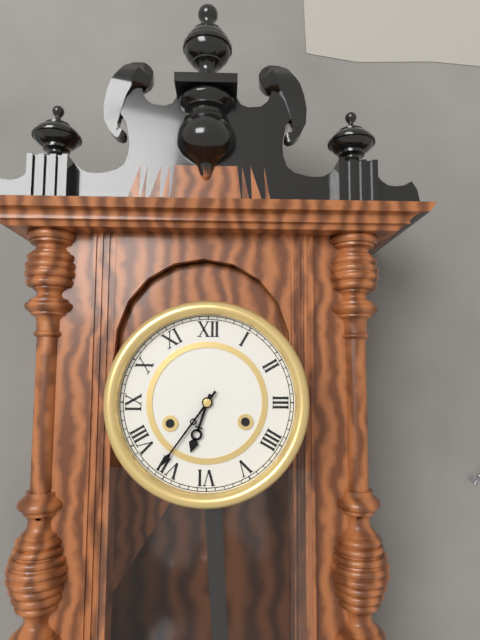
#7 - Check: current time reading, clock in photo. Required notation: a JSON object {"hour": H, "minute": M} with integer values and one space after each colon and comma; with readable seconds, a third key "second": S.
{"hour": 6, "minute": 36}
